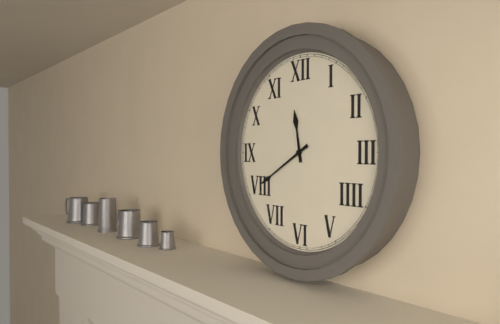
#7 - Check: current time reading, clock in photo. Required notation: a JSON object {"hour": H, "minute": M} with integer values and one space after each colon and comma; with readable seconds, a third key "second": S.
{"hour": 11, "minute": 40}
